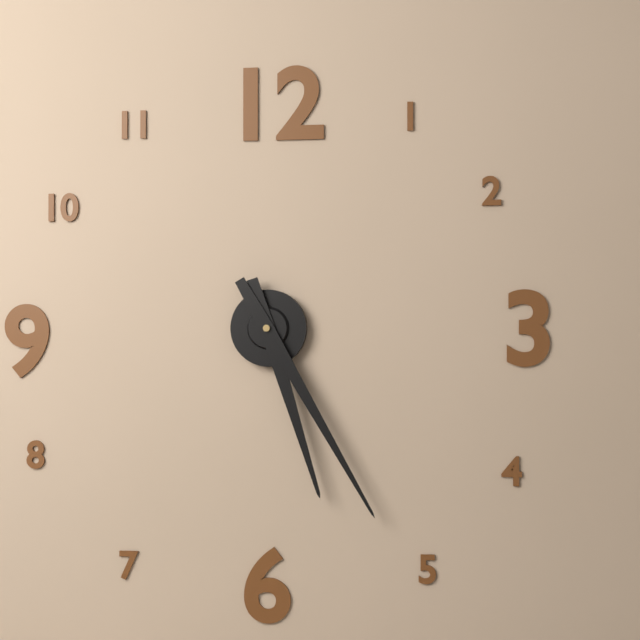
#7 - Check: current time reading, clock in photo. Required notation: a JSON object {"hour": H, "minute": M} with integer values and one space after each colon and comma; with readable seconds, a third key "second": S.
{"hour": 5, "minute": 25}
